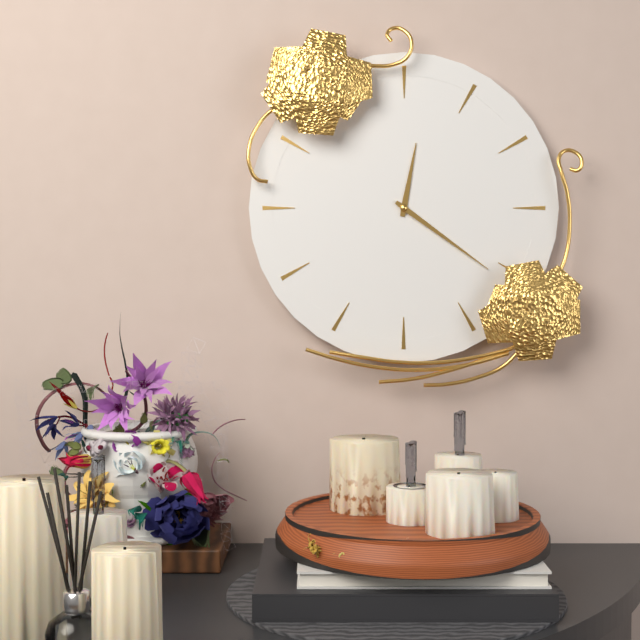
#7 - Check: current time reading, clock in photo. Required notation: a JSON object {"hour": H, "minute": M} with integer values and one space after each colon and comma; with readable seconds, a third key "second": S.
{"hour": 12, "minute": 21}
